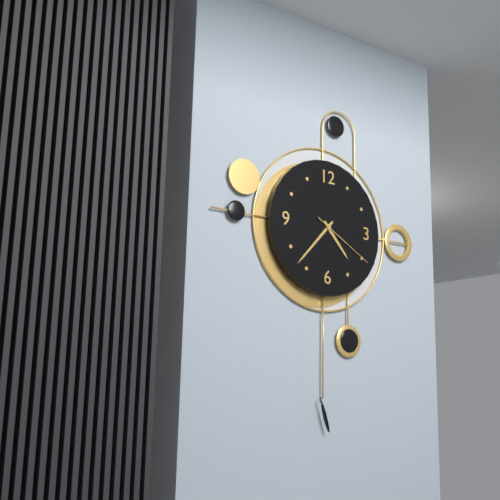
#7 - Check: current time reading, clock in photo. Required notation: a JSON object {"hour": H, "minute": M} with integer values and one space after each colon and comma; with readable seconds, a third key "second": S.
{"hour": 4, "minute": 37, "second": 20}
